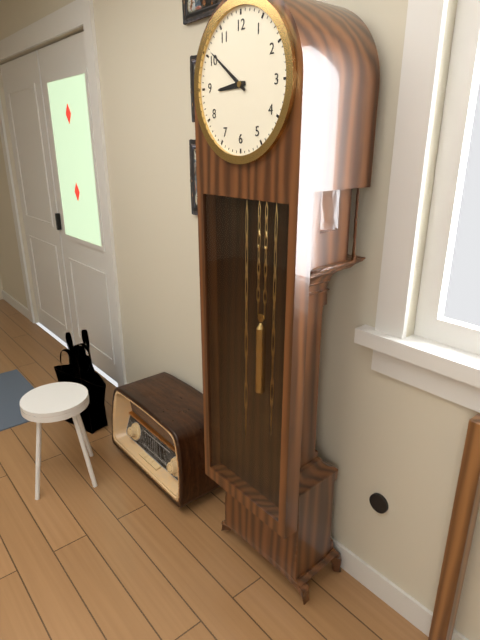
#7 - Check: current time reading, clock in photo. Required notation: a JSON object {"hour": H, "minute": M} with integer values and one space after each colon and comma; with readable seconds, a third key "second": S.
{"hour": 8, "minute": 51}
